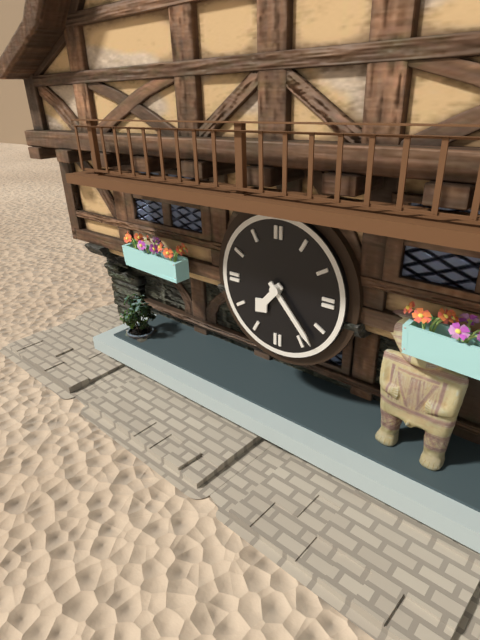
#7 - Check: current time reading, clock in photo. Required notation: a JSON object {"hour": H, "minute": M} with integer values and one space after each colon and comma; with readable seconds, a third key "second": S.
{"hour": 7, "minute": 23}
